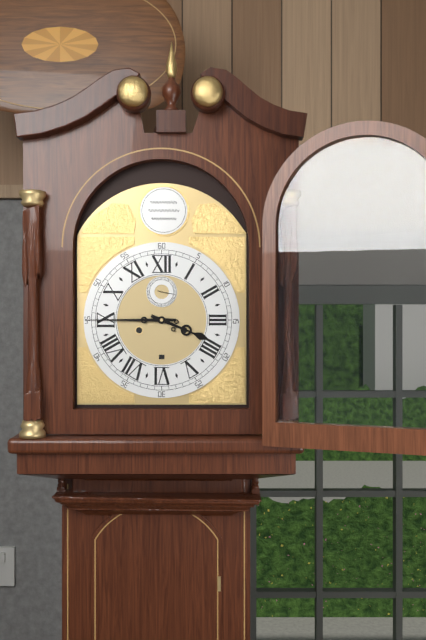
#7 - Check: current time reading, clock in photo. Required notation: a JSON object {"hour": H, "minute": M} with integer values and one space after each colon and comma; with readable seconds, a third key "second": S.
{"hour": 3, "minute": 45}
